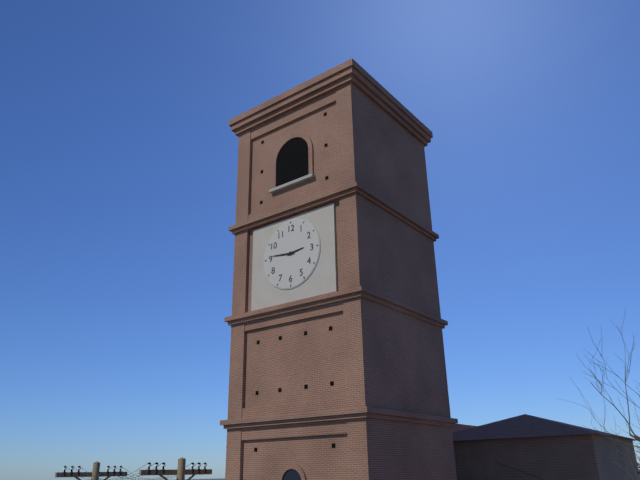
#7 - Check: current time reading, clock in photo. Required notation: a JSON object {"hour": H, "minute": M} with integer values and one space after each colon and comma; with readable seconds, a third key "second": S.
{"hour": 2, "minute": 46}
